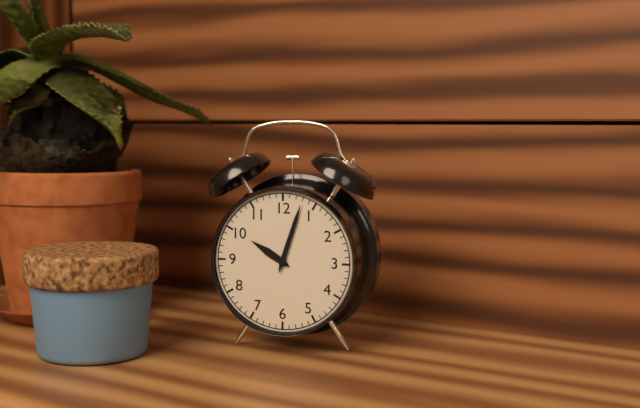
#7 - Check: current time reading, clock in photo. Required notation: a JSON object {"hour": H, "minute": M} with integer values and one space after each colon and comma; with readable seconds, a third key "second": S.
{"hour": 10, "minute": 3}
